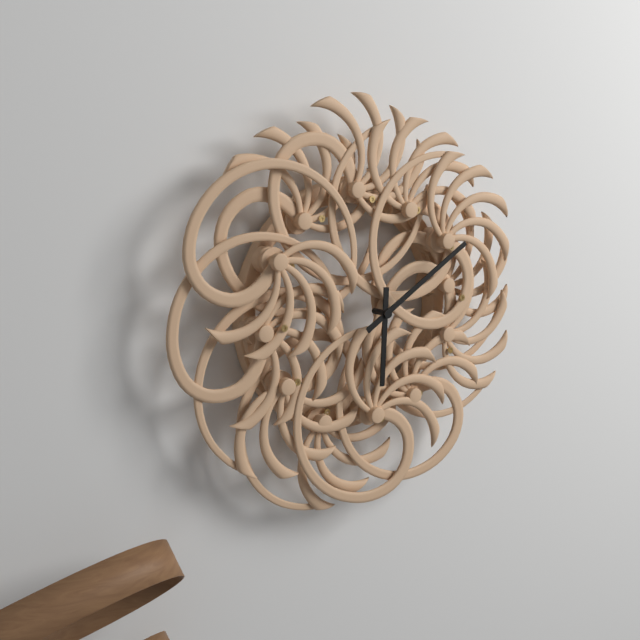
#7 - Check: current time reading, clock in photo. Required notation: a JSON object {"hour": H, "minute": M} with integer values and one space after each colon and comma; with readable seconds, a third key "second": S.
{"hour": 6, "minute": 10}
